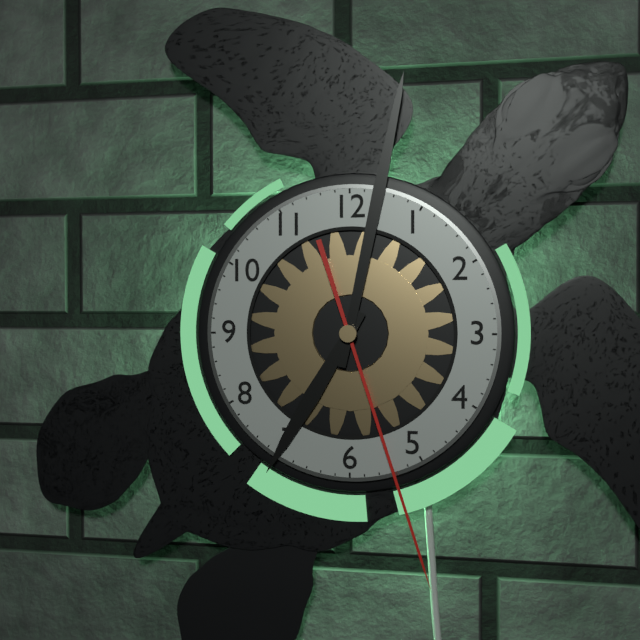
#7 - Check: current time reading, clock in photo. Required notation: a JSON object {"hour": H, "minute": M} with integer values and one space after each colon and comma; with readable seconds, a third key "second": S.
{"hour": 7, "minute": 2, "second": 27}
